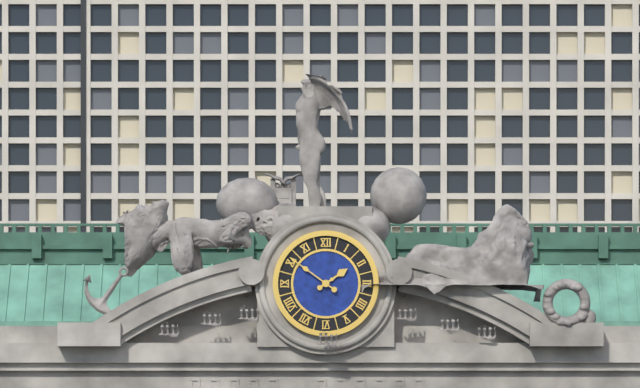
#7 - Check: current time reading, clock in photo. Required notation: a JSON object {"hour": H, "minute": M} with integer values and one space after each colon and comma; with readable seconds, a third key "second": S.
{"hour": 1, "minute": 51}
